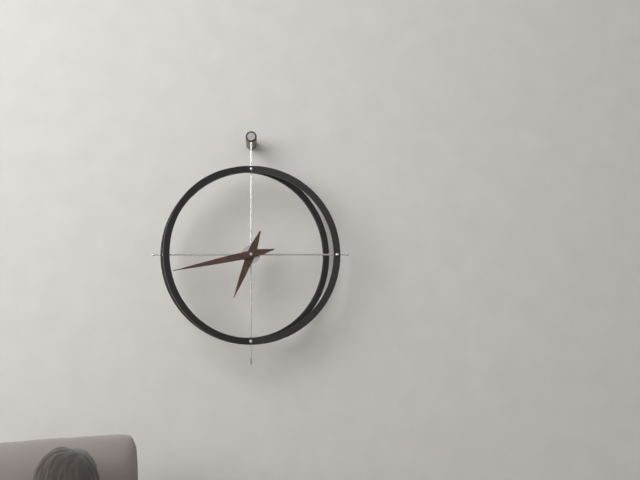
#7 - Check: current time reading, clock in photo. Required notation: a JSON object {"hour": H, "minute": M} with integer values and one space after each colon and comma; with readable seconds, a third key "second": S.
{"hour": 6, "minute": 43}
